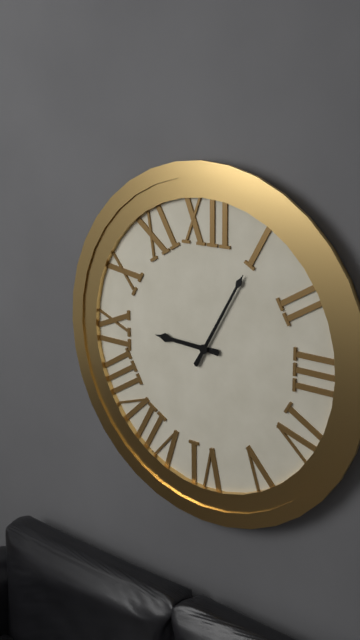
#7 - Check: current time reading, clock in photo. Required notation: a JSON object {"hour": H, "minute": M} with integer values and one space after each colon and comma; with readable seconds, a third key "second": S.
{"hour": 9, "minute": 5}
